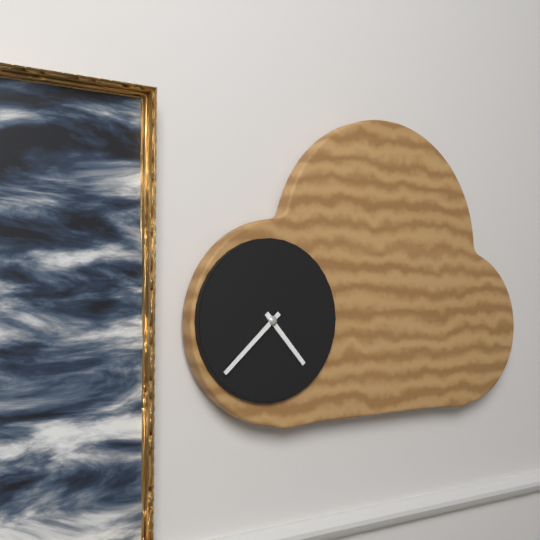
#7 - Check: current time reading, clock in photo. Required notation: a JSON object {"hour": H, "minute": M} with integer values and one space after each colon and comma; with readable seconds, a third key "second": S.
{"hour": 4, "minute": 38}
